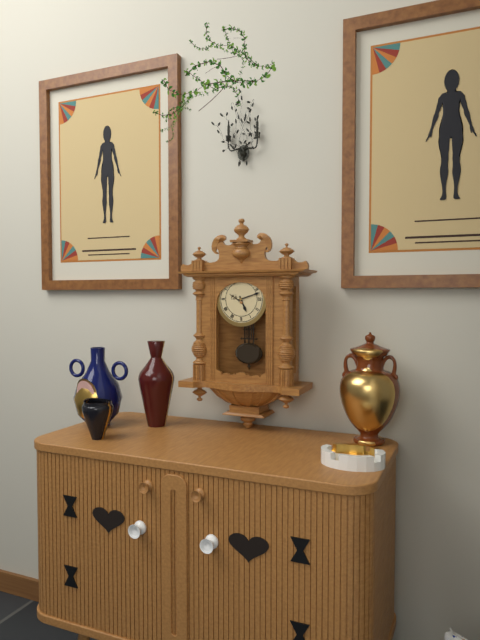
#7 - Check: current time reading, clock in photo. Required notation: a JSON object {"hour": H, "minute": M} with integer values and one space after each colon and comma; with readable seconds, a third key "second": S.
{"hour": 5, "minute": 12}
